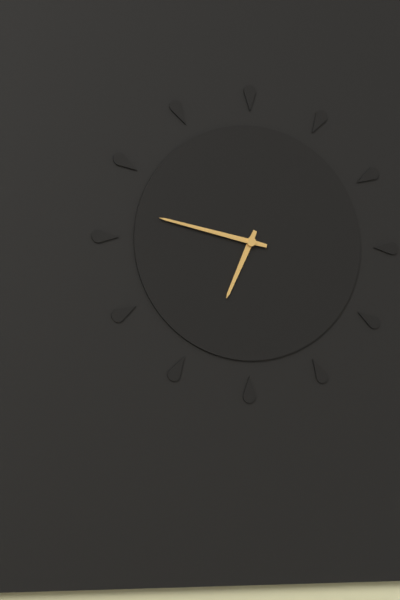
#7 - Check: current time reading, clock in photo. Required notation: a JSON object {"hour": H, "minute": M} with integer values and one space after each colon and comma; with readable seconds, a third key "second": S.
{"hour": 6, "minute": 47}
